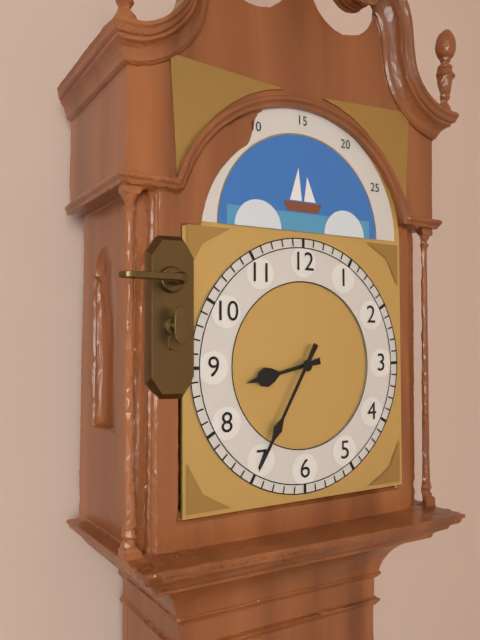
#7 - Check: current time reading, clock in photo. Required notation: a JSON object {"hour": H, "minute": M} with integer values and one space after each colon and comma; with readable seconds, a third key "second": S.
{"hour": 8, "minute": 35}
